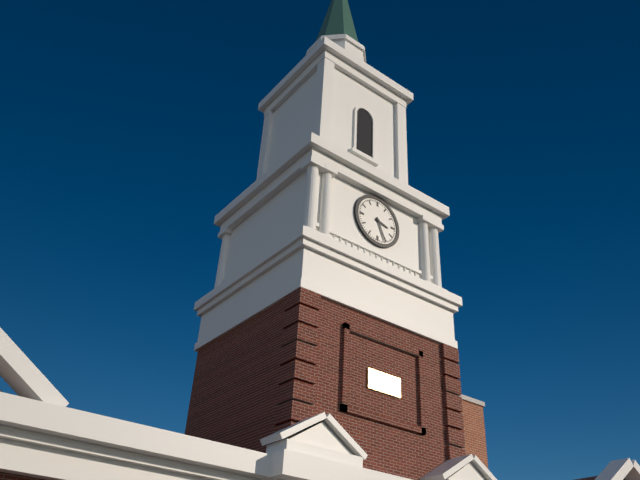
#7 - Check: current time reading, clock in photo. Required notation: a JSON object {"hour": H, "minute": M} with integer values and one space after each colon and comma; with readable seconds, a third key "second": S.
{"hour": 3, "minute": 26}
